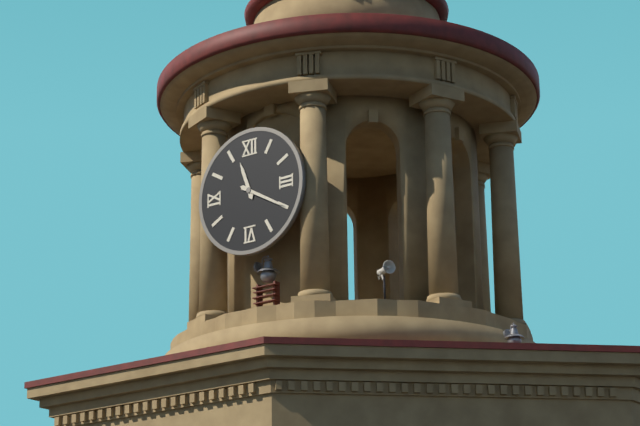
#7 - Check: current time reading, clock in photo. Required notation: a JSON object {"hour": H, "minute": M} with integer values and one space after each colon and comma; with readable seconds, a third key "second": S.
{"hour": 11, "minute": 20}
